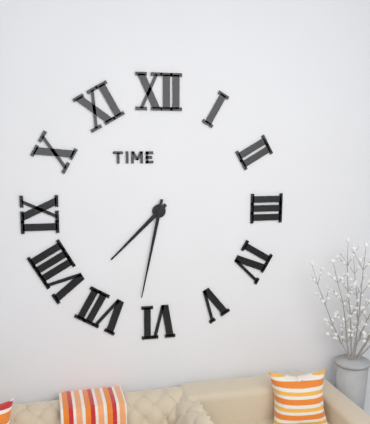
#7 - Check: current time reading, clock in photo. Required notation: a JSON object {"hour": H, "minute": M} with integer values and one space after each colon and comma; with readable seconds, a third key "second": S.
{"hour": 7, "minute": 32}
